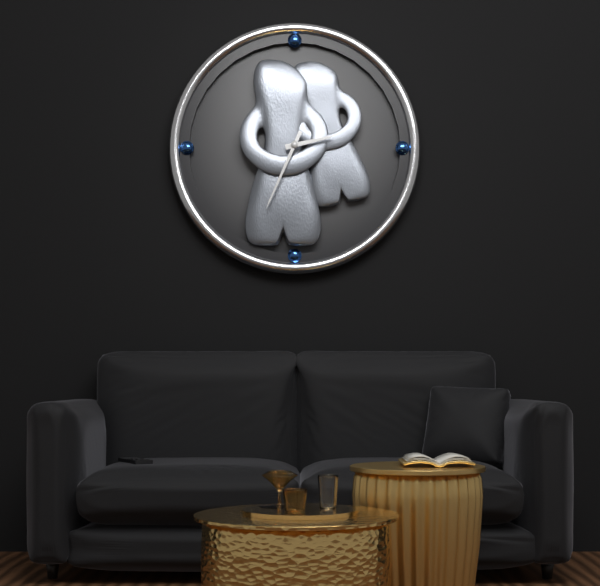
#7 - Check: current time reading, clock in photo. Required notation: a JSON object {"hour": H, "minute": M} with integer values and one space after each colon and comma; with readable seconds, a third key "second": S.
{"hour": 2, "minute": 34}
